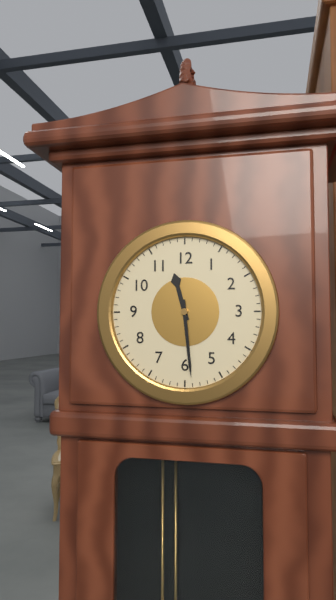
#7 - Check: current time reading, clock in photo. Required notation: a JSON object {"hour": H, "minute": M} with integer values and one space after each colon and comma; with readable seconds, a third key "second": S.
{"hour": 11, "minute": 29}
